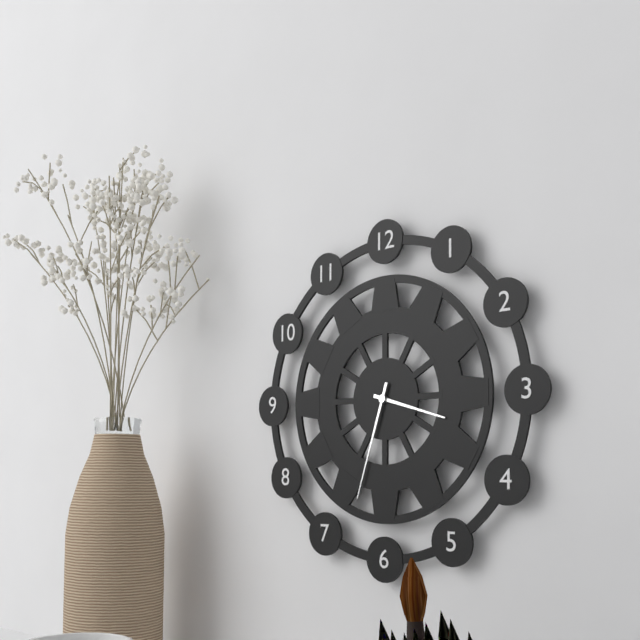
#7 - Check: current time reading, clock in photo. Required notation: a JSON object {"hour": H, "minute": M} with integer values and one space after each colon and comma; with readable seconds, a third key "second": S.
{"hour": 3, "minute": 33}
